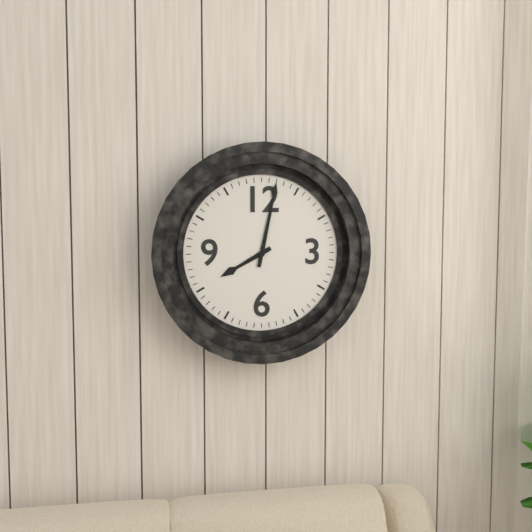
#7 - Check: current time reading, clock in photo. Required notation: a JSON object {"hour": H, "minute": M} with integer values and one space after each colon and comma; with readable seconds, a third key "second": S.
{"hour": 8, "minute": 2}
